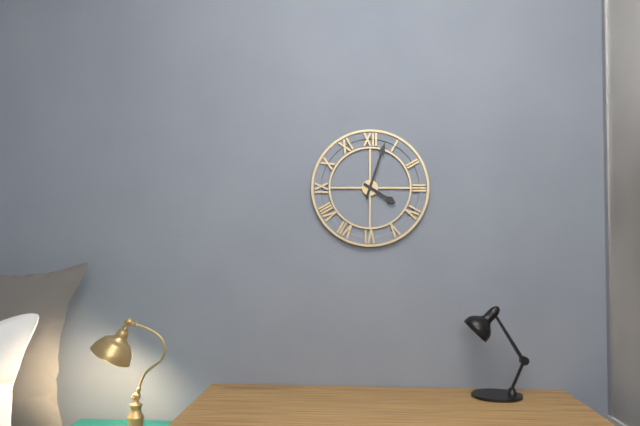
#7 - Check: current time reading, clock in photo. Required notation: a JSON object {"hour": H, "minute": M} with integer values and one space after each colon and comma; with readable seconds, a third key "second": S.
{"hour": 4, "minute": 3}
